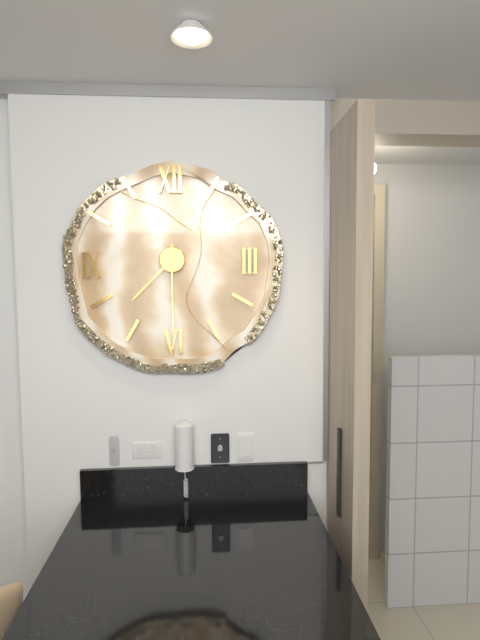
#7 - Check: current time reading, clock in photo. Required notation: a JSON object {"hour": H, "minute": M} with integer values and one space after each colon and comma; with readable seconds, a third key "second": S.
{"hour": 7, "minute": 30}
